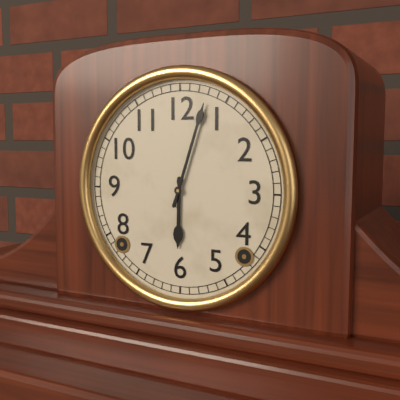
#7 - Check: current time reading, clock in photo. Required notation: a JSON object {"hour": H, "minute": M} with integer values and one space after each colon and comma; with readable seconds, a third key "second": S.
{"hour": 6, "minute": 3}
